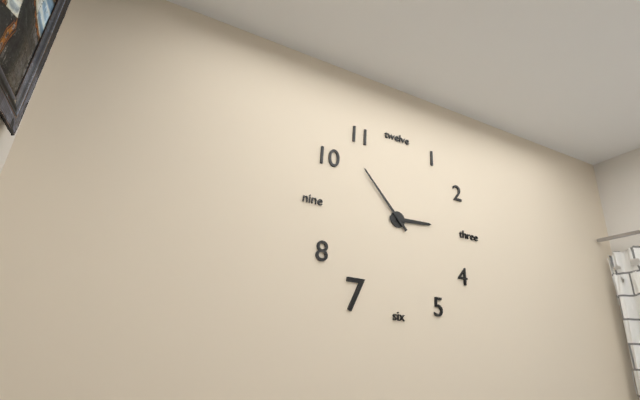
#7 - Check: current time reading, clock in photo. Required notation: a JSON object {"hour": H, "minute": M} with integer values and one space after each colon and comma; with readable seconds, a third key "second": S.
{"hour": 2, "minute": 53}
